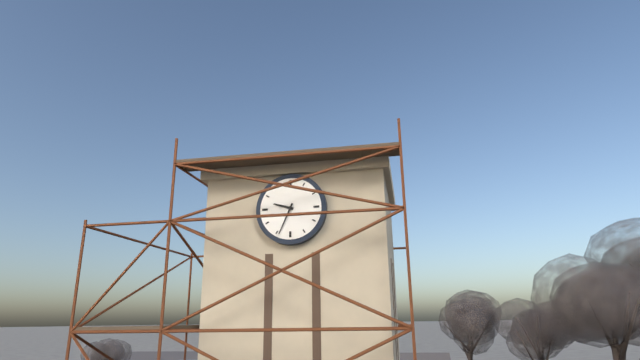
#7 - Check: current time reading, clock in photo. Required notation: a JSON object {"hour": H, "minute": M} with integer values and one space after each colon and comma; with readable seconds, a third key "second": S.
{"hour": 9, "minute": 34}
